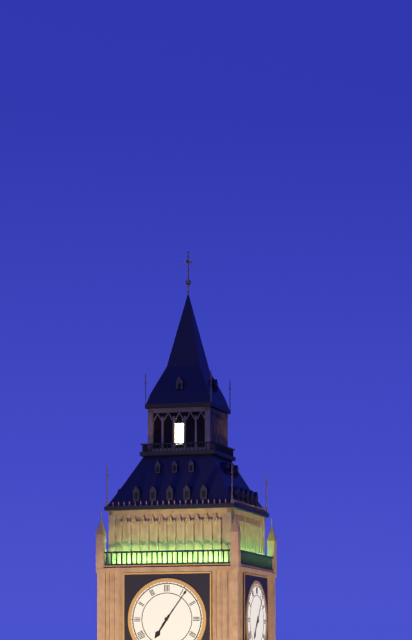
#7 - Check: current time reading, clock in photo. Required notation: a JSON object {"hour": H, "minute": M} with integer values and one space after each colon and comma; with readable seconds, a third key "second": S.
{"hour": 7, "minute": 6}
